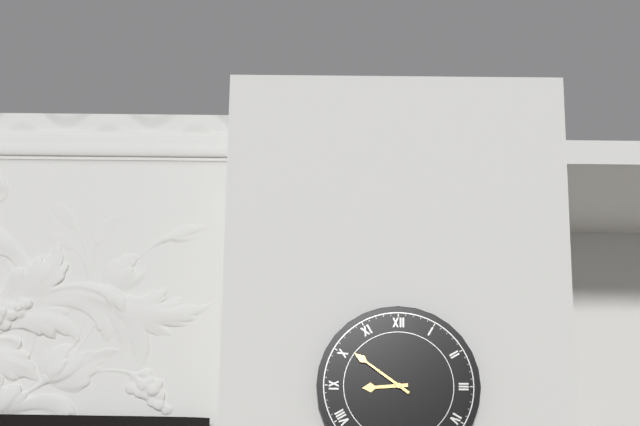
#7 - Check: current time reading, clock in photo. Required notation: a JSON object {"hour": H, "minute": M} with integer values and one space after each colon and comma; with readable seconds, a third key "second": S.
{"hour": 8, "minute": 51}
